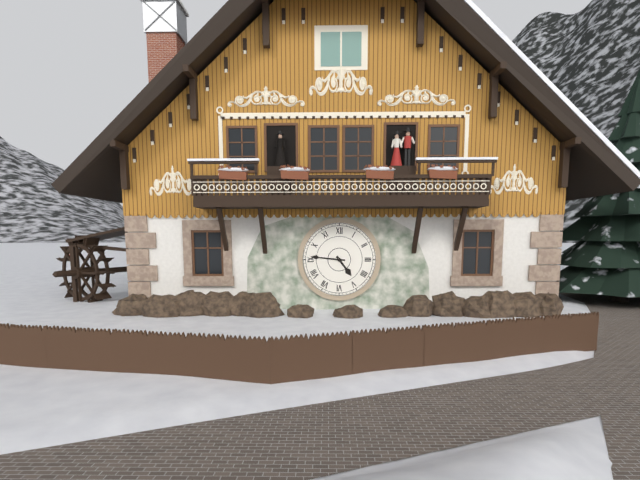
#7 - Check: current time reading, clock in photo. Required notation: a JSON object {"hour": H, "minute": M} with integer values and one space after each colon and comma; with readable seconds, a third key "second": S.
{"hour": 4, "minute": 46}
